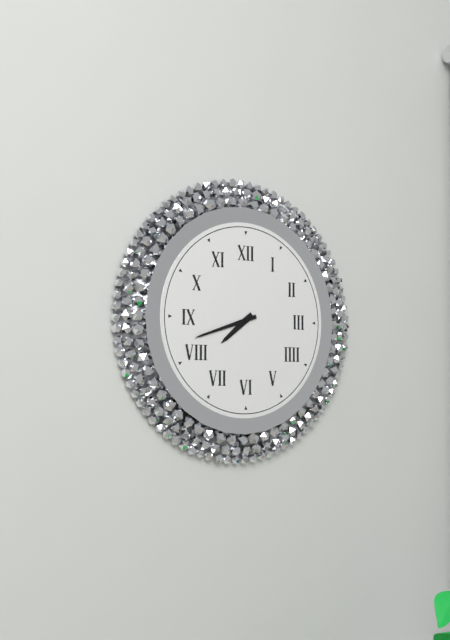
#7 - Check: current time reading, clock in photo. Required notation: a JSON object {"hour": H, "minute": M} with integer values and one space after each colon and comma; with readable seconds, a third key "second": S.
{"hour": 7, "minute": 42}
